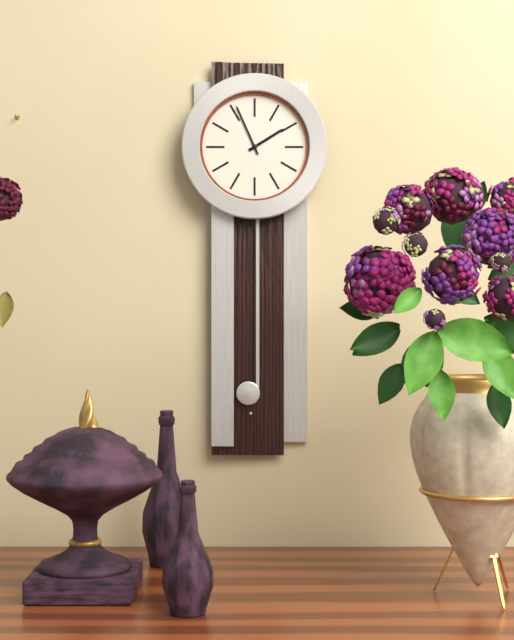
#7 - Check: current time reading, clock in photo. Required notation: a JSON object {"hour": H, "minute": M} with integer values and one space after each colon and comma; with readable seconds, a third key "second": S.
{"hour": 1, "minute": 56}
